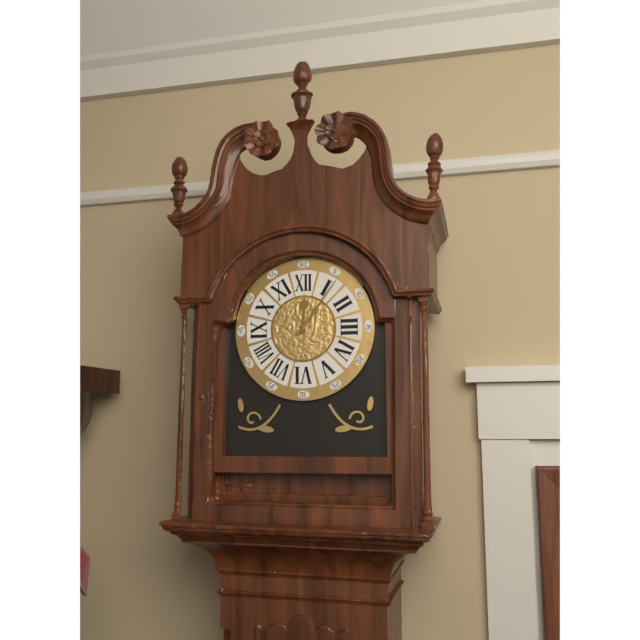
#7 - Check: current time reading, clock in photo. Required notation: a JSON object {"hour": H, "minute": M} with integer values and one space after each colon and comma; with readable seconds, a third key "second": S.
{"hour": 12, "minute": 6}
